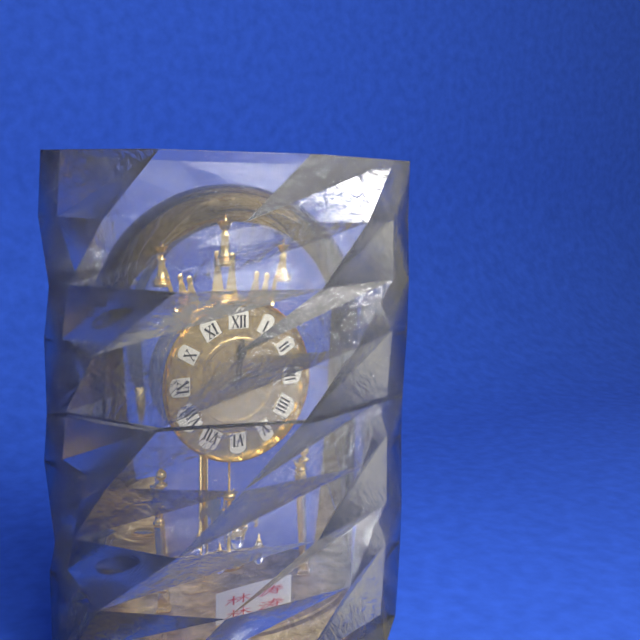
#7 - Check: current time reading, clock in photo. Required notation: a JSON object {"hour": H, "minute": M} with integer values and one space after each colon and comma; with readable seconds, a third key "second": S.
{"hour": 12, "minute": 13}
